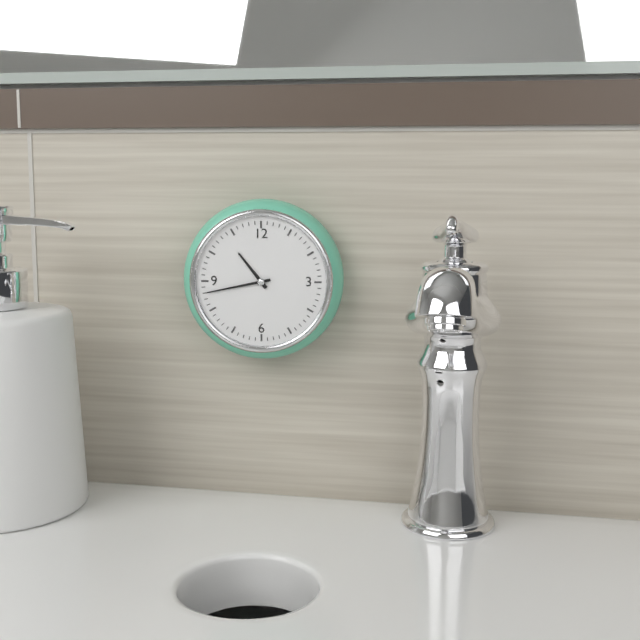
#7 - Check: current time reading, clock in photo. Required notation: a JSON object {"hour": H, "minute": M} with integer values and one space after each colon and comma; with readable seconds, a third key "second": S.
{"hour": 10, "minute": 43}
